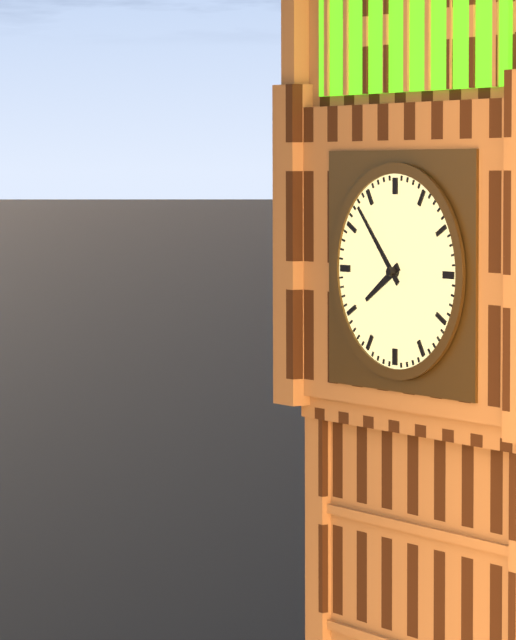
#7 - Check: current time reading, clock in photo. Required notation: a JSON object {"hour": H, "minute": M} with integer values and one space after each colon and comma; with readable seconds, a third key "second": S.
{"hour": 7, "minute": 53}
